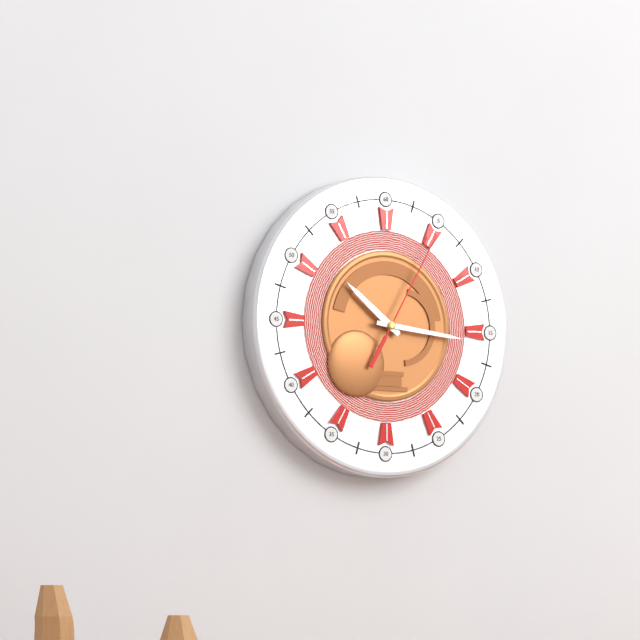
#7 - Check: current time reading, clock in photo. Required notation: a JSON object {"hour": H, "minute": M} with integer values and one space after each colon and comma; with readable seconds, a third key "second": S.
{"hour": 10, "minute": 16, "second": 5}
